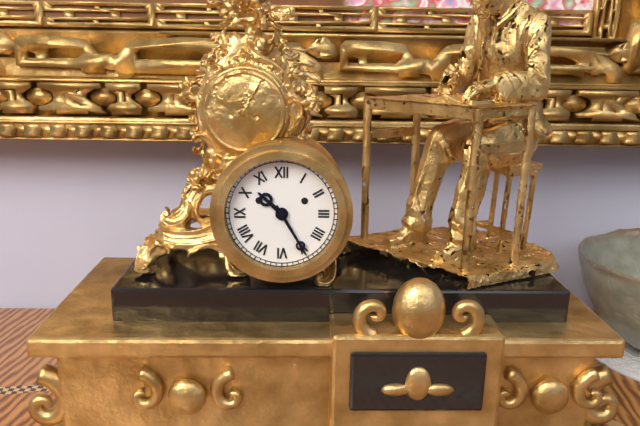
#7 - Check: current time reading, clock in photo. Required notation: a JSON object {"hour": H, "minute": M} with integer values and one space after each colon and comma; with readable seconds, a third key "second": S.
{"hour": 10, "minute": 25}
